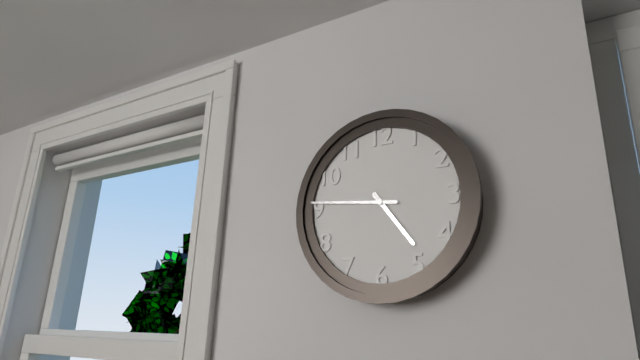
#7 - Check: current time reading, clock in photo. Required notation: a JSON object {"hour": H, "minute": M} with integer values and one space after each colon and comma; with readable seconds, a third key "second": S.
{"hour": 4, "minute": 46}
